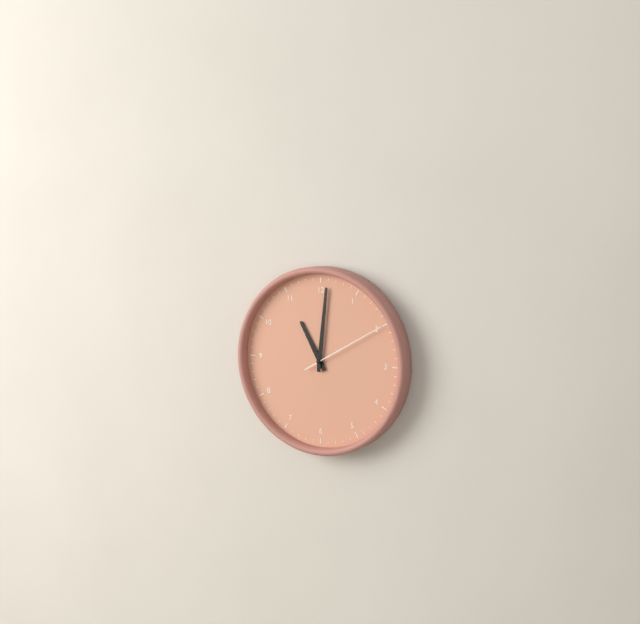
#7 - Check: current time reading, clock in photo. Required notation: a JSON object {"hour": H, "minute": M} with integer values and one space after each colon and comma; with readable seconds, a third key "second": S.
{"hour": 11, "minute": 1, "second": 10}
